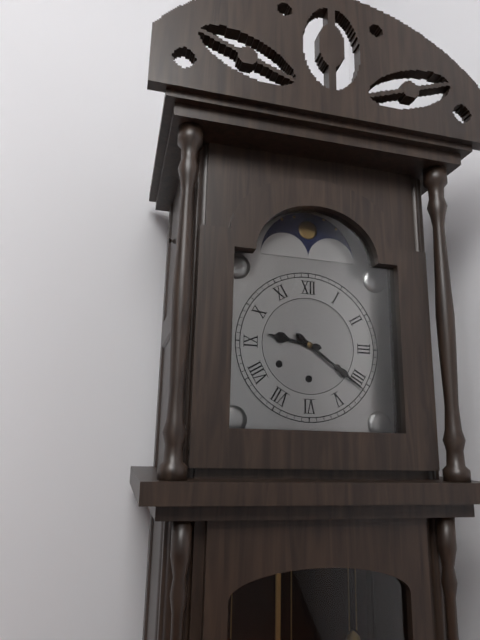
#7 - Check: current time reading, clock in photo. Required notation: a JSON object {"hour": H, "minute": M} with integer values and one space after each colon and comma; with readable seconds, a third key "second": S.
{"hour": 9, "minute": 21}
